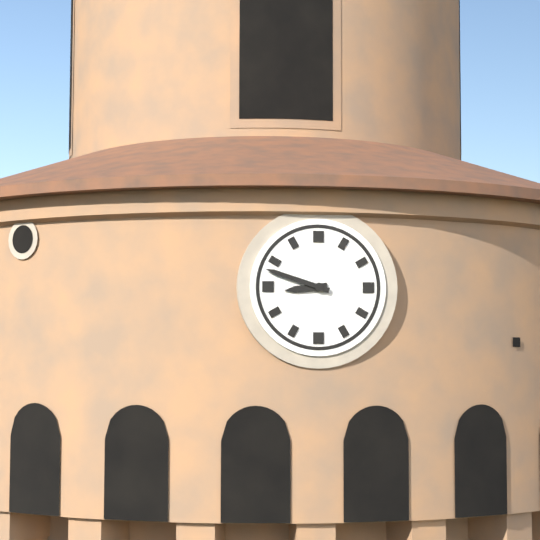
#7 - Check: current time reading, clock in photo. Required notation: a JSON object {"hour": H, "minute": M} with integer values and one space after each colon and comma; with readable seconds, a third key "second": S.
{"hour": 8, "minute": 48}
